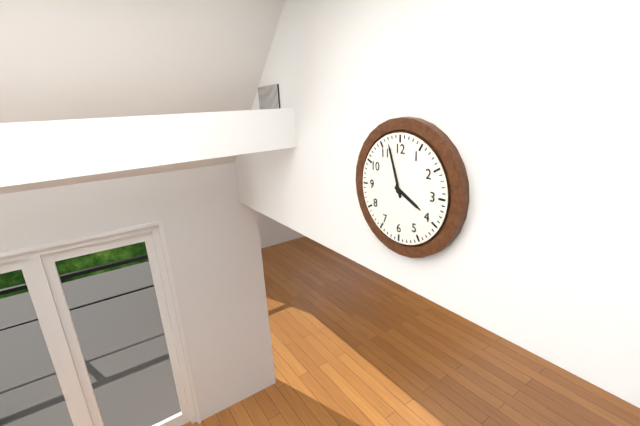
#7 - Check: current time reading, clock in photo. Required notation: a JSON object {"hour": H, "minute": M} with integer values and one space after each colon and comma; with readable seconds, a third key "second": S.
{"hour": 3, "minute": 57}
